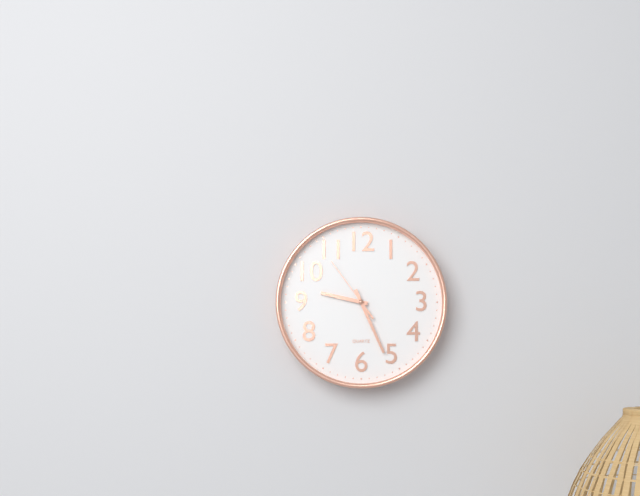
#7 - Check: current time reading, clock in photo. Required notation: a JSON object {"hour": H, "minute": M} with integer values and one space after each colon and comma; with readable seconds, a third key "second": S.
{"hour": 9, "minute": 26, "second": 54}
